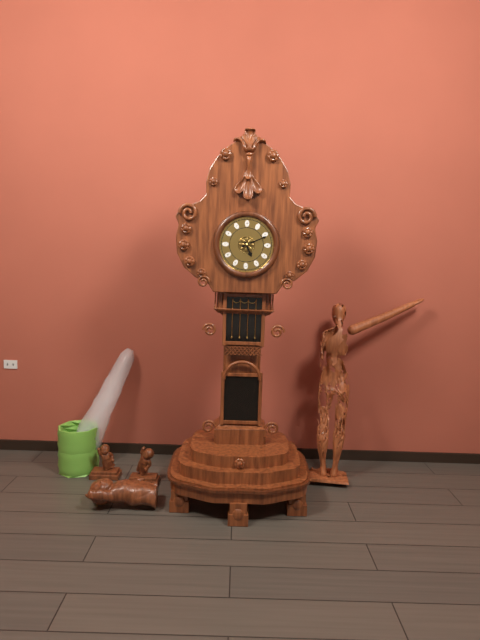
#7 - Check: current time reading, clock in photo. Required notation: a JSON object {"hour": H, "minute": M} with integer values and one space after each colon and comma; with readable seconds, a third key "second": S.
{"hour": 5, "minute": 11}
